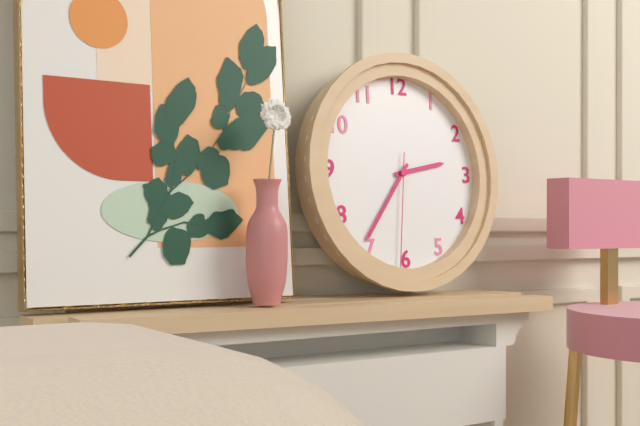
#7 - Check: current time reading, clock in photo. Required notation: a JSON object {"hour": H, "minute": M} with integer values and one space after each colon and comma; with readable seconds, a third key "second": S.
{"hour": 2, "minute": 36, "second": 31}
